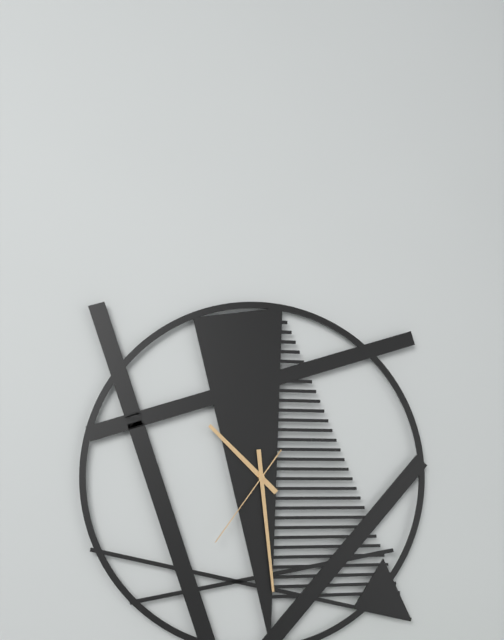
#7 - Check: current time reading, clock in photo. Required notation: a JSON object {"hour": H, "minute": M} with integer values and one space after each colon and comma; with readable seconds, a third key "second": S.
{"hour": 10, "minute": 29, "second": 36}
